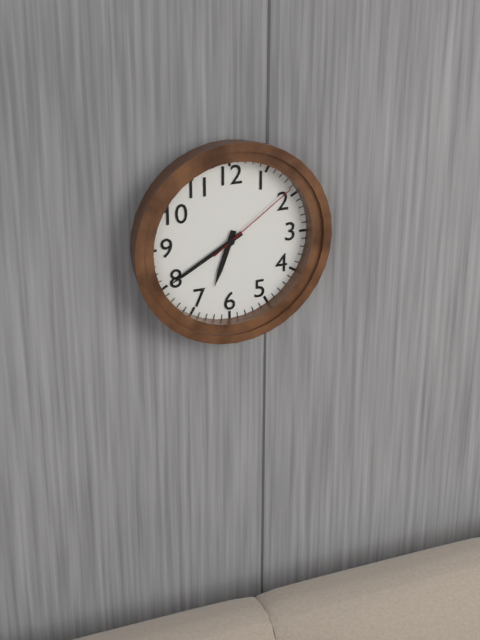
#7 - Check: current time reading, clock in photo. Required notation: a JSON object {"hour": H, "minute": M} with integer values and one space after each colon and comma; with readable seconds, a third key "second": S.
{"hour": 6, "minute": 40, "second": 9}
